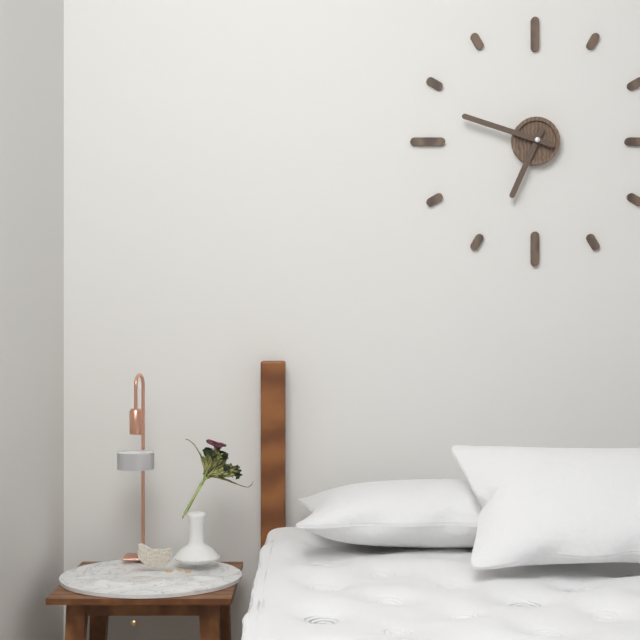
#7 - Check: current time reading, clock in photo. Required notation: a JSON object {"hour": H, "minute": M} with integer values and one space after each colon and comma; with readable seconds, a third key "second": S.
{"hour": 6, "minute": 48}
